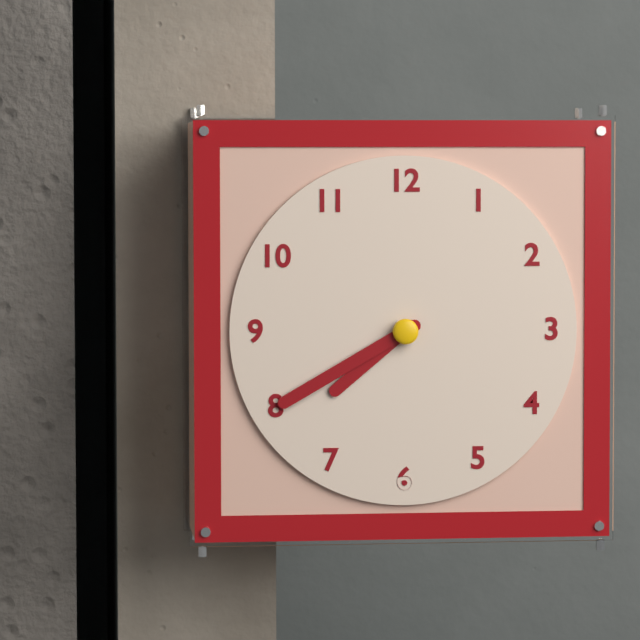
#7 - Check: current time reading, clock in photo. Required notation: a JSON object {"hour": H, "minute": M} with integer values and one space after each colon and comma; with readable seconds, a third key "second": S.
{"hour": 7, "minute": 40}
